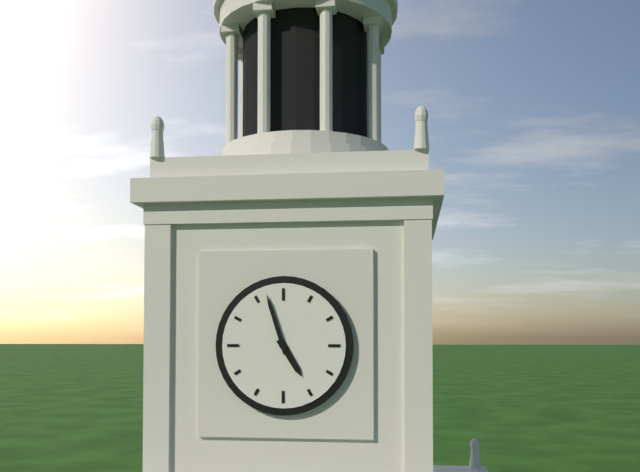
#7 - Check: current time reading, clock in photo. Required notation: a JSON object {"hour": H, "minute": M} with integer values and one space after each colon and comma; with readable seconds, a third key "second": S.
{"hour": 4, "minute": 57}
